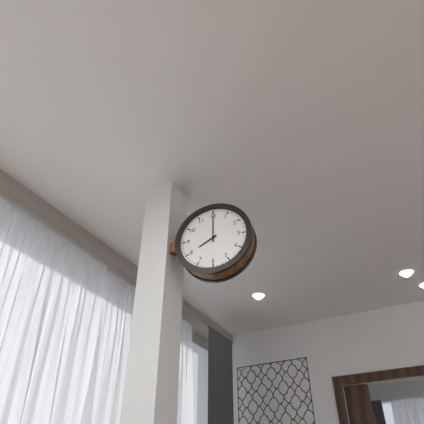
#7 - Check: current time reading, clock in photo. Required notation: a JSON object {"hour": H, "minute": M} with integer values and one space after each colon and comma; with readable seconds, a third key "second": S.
{"hour": 8, "minute": 0}
